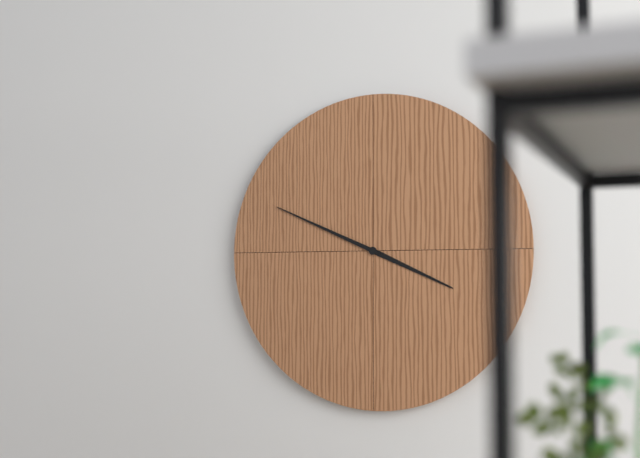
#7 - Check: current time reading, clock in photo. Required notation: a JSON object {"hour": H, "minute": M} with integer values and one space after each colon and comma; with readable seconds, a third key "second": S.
{"hour": 3, "minute": 49}
